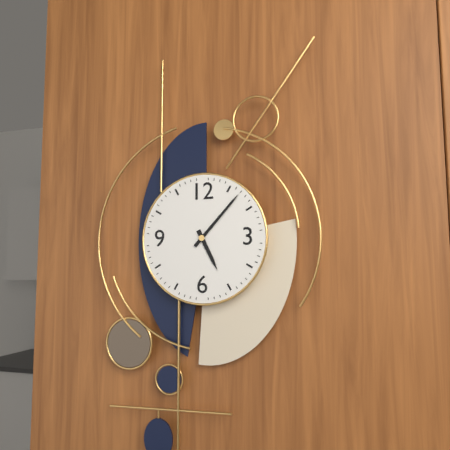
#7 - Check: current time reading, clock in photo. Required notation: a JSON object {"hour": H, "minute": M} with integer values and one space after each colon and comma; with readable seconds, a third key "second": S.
{"hour": 5, "minute": 7}
